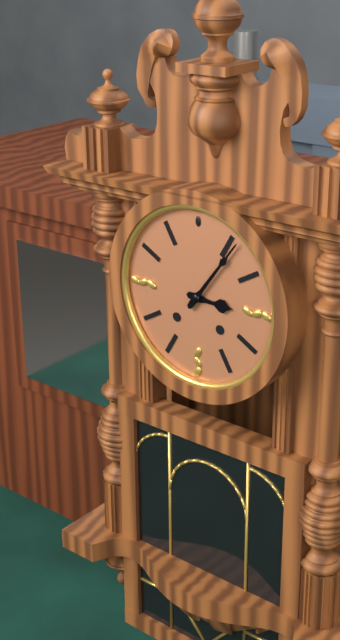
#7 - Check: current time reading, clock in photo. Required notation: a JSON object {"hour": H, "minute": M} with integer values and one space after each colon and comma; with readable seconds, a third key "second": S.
{"hour": 3, "minute": 6}
